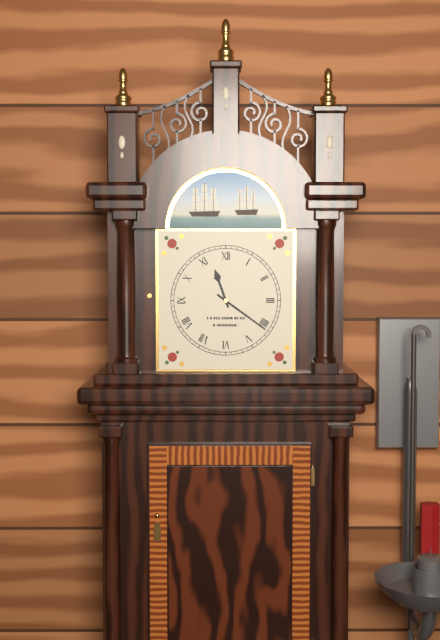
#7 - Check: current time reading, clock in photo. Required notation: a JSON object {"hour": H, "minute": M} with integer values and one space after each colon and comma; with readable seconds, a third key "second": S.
{"hour": 11, "minute": 21}
